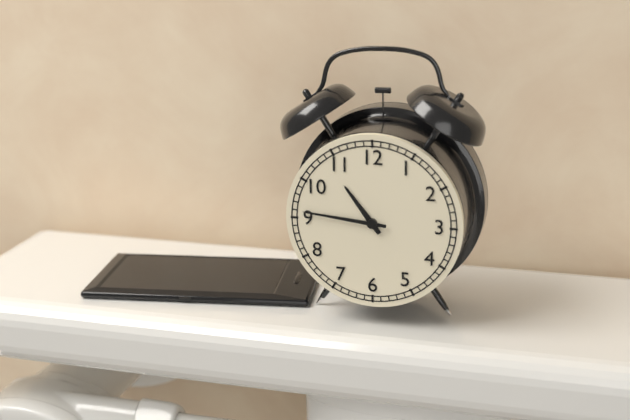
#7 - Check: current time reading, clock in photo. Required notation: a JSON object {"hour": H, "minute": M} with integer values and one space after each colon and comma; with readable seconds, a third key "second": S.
{"hour": 10, "minute": 46}
